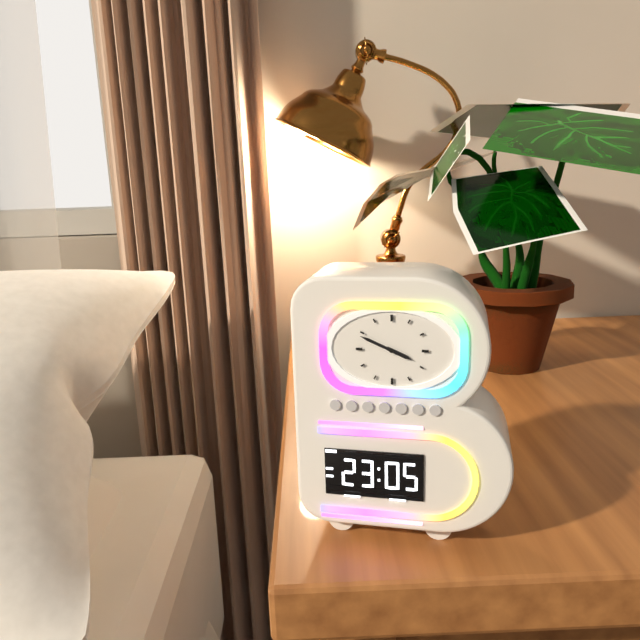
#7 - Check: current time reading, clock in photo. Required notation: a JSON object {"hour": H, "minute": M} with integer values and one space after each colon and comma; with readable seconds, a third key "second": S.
{"hour": 3, "minute": 49}
